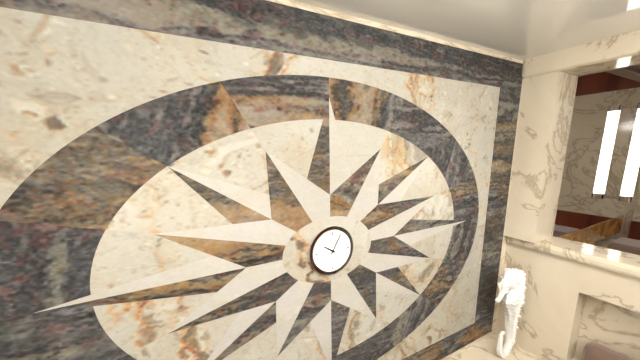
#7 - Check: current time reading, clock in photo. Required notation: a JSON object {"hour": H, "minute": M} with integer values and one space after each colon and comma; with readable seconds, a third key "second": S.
{"hour": 10, "minute": 5}
